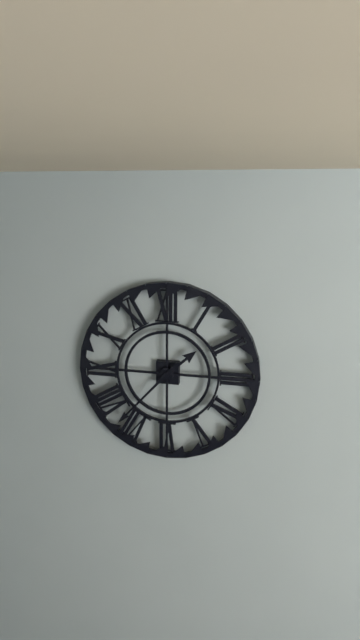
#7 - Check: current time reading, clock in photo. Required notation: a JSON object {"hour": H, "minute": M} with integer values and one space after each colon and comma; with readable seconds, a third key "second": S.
{"hour": 1, "minute": 37}
